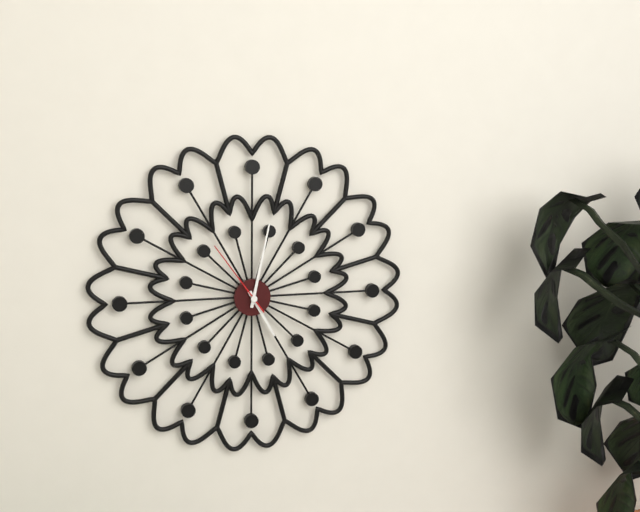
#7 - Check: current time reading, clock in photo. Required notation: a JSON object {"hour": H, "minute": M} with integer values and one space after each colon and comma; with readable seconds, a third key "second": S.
{"hour": 5, "minute": 2, "second": 54}
